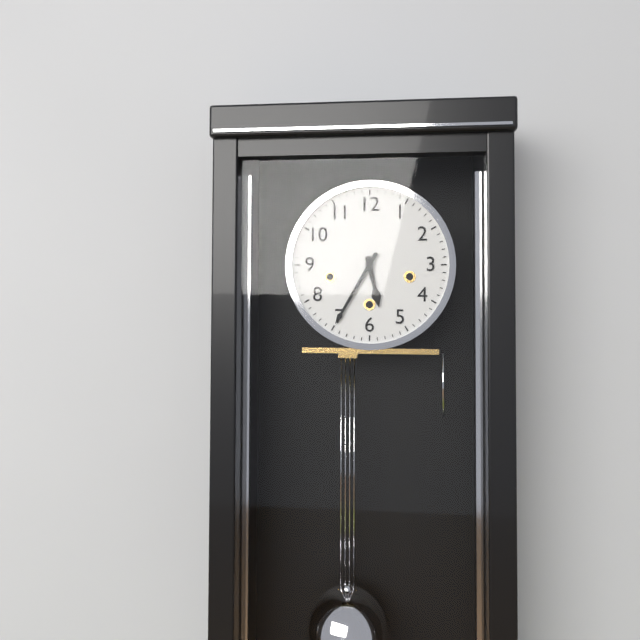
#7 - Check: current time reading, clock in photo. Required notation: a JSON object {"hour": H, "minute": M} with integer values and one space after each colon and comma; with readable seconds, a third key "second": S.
{"hour": 5, "minute": 35}
